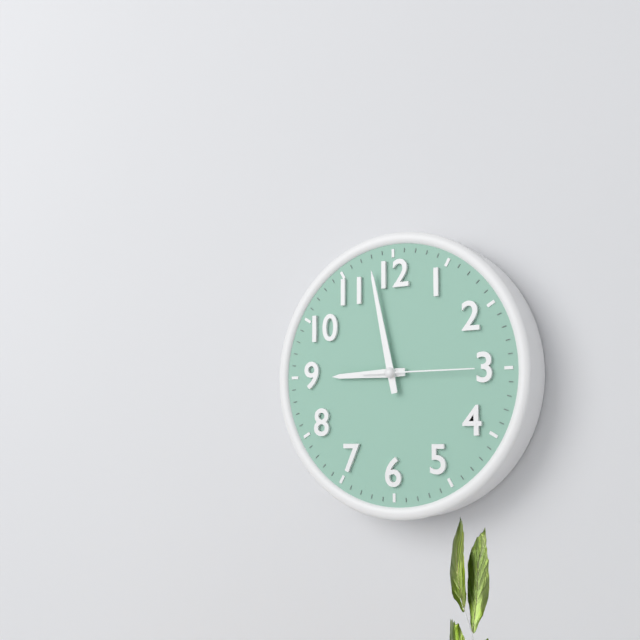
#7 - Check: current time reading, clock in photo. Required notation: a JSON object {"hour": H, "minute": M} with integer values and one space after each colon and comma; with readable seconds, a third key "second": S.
{"hour": 8, "minute": 58, "second": 15}
